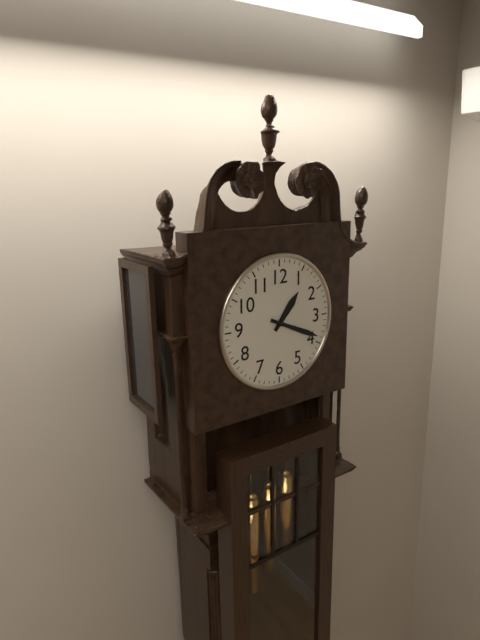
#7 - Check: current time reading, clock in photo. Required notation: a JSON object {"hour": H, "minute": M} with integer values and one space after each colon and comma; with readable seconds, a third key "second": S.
{"hour": 1, "minute": 19}
